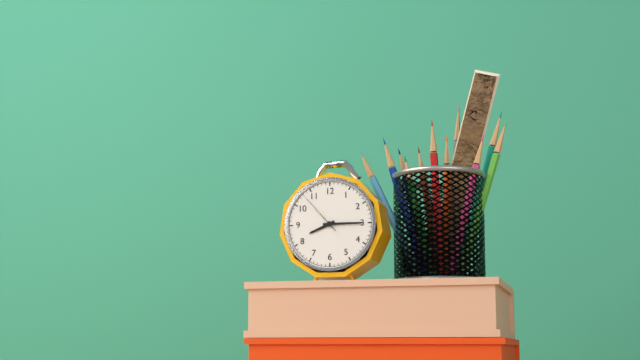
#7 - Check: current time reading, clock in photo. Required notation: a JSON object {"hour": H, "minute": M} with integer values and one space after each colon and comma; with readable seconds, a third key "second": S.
{"hour": 8, "minute": 15}
